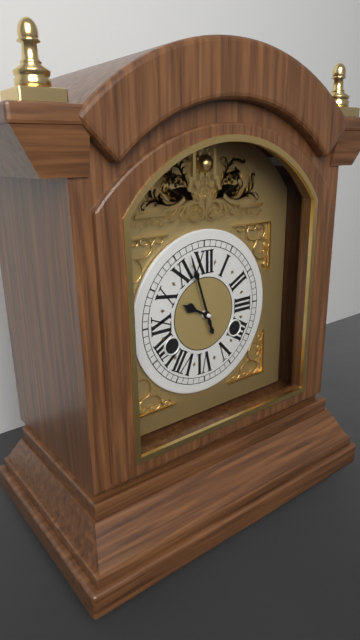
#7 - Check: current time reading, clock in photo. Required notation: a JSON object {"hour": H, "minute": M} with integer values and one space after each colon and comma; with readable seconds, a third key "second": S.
{"hour": 9, "minute": 57}
